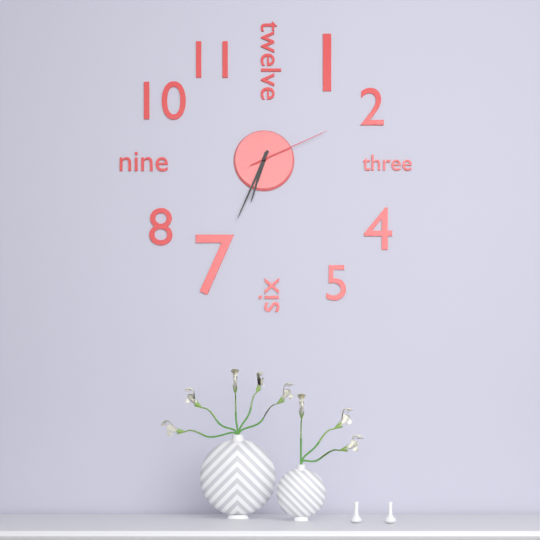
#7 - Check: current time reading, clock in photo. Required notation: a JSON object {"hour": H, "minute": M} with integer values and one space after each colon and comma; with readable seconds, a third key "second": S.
{"hour": 6, "minute": 34, "second": 11}
